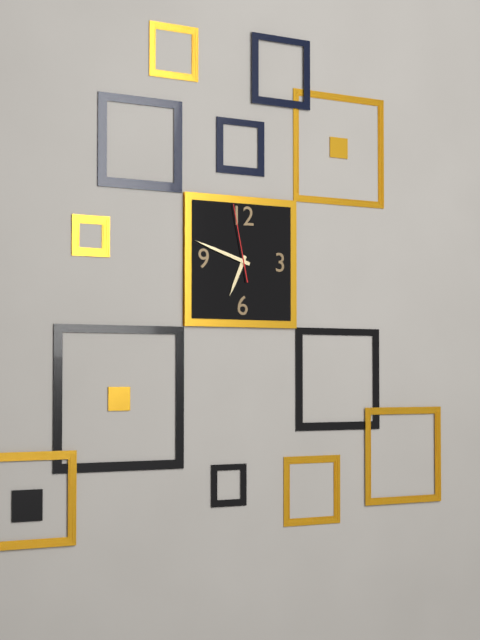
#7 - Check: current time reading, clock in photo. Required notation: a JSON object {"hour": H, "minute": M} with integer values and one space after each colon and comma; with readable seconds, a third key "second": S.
{"hour": 6, "minute": 48, "second": 58}
